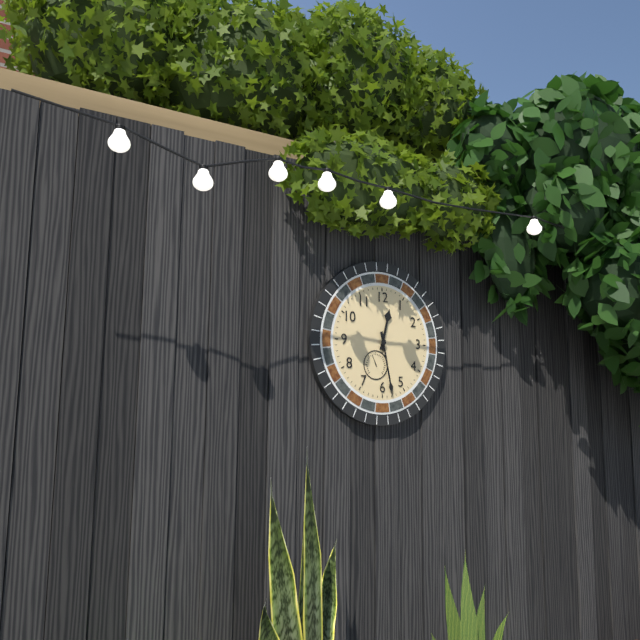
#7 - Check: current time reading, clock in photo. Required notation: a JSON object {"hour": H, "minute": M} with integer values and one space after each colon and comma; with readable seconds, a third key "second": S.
{"hour": 12, "minute": 28}
